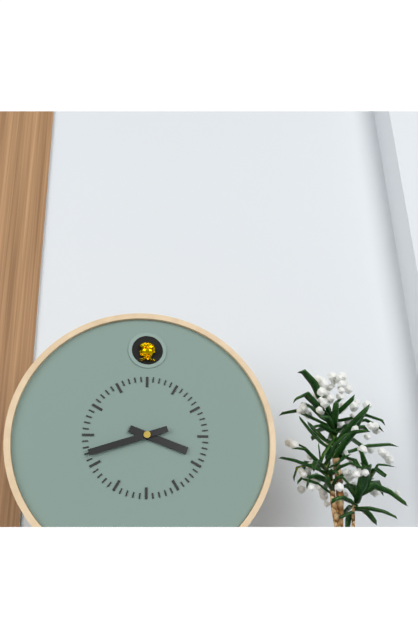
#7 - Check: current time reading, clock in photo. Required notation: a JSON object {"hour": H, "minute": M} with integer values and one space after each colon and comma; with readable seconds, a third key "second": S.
{"hour": 3, "minute": 42}
